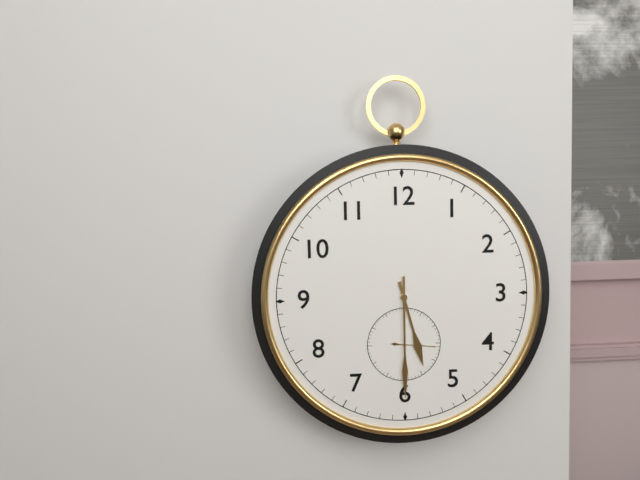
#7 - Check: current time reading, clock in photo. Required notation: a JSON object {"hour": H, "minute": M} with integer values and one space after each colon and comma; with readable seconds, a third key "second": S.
{"hour": 5, "minute": 30, "second": 16}
